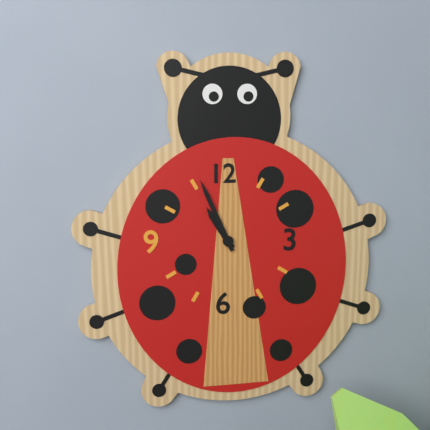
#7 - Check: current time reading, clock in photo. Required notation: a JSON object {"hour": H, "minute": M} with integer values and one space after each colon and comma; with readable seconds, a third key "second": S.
{"hour": 10, "minute": 56}
